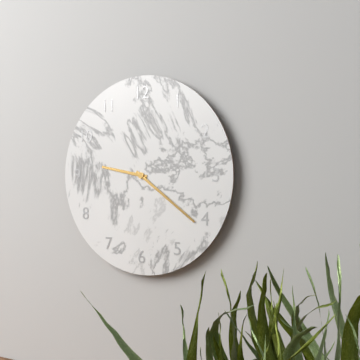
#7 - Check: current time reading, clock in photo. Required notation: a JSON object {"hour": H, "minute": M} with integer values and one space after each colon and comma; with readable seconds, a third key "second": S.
{"hour": 9, "minute": 21}
